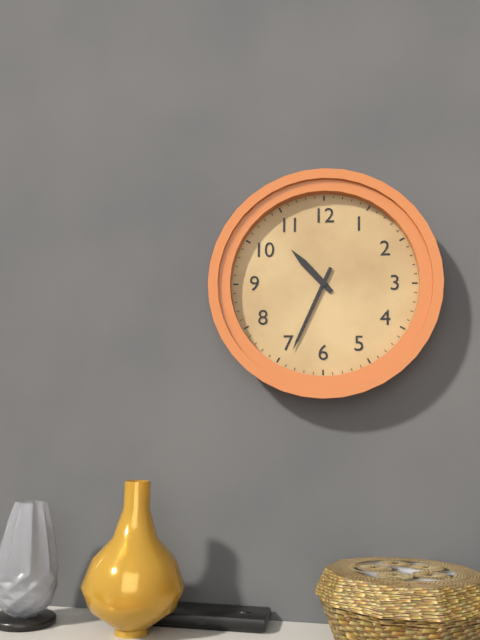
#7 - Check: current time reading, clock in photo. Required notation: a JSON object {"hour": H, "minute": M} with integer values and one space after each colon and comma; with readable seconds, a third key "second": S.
{"hour": 10, "minute": 34}
